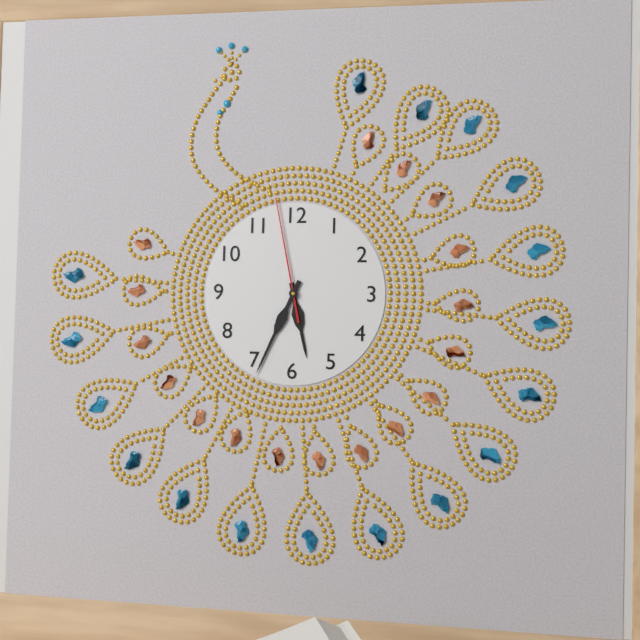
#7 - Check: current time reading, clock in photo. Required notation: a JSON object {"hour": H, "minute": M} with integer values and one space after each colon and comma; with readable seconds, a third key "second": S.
{"hour": 5, "minute": 34, "second": 58}
